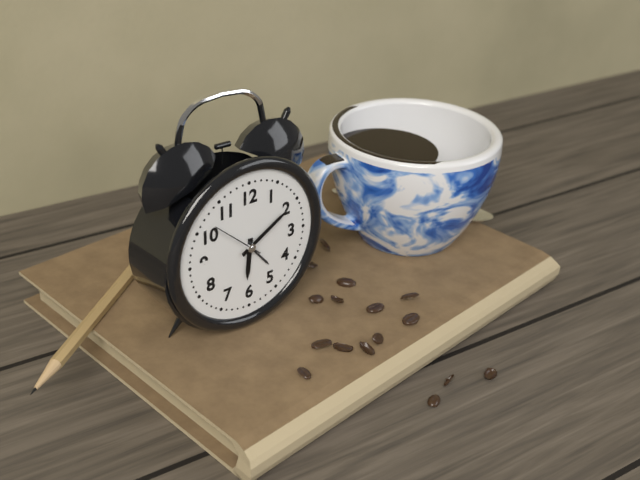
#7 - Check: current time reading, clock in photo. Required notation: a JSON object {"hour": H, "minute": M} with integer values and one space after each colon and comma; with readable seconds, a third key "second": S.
{"hour": 6, "minute": 10, "second": 52}
